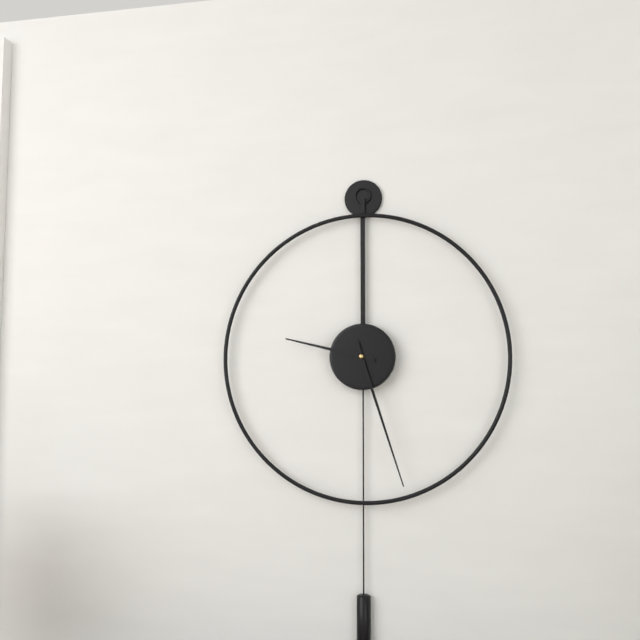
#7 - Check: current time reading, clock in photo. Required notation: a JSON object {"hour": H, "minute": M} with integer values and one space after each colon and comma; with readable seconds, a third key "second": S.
{"hour": 9, "minute": 27}
